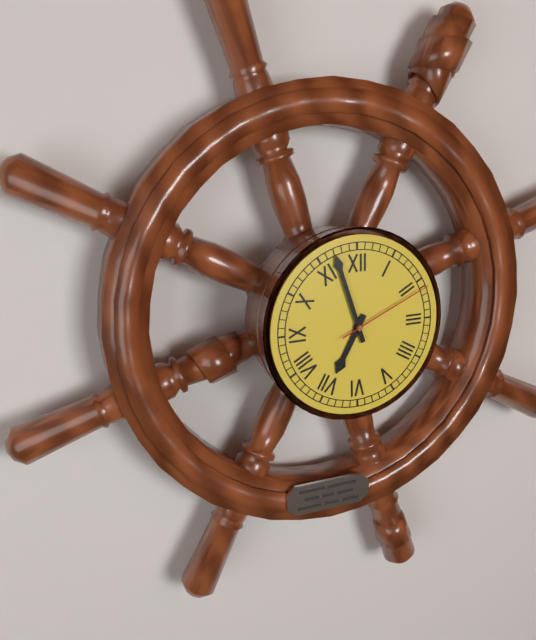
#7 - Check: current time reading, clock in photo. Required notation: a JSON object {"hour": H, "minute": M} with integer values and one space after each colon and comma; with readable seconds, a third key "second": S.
{"hour": 6, "minute": 57, "second": 11}
